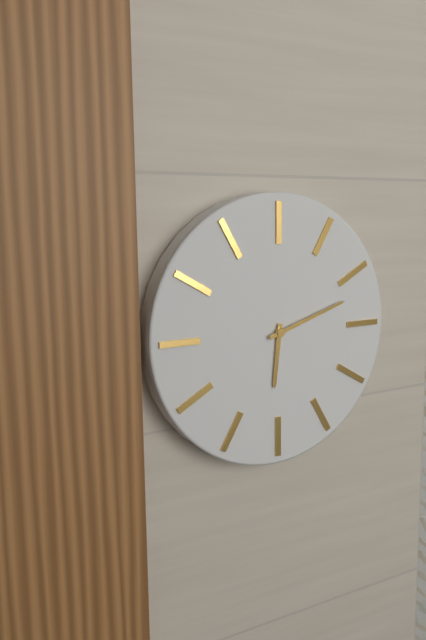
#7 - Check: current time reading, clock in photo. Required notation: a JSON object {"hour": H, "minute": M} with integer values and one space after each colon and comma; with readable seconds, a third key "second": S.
{"hour": 6, "minute": 12}
